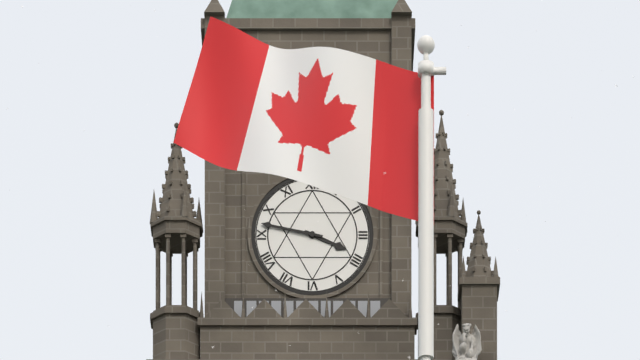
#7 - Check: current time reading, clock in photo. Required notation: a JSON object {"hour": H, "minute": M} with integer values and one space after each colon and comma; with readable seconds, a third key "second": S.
{"hour": 3, "minute": 47}
